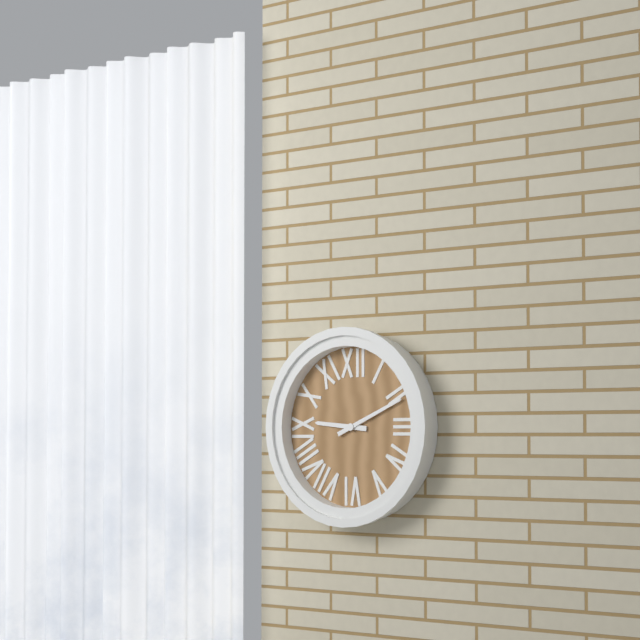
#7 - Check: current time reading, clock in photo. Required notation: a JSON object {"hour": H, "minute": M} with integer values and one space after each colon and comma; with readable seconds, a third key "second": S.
{"hour": 9, "minute": 11}
